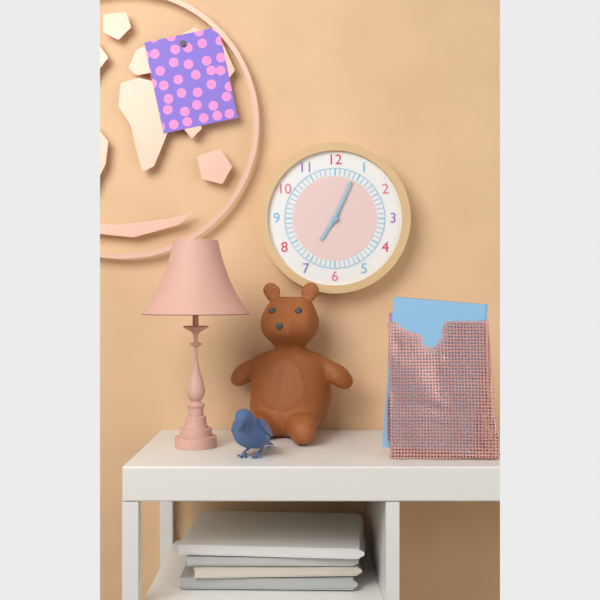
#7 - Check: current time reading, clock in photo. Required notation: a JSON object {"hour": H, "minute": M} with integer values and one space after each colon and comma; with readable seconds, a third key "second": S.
{"hour": 7, "minute": 4}
